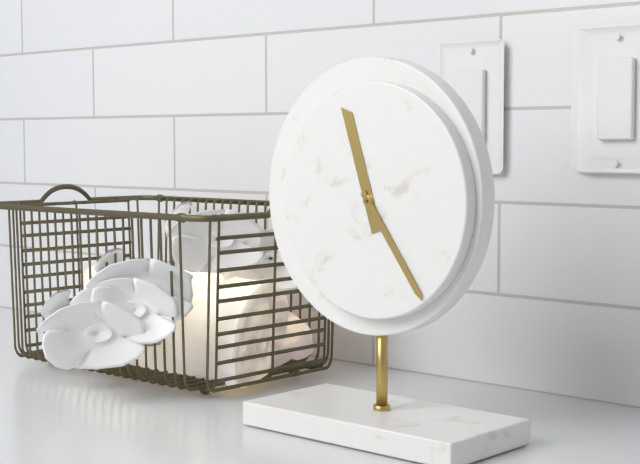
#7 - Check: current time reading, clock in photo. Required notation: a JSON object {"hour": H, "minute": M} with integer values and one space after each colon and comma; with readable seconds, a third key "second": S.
{"hour": 11, "minute": 24}
